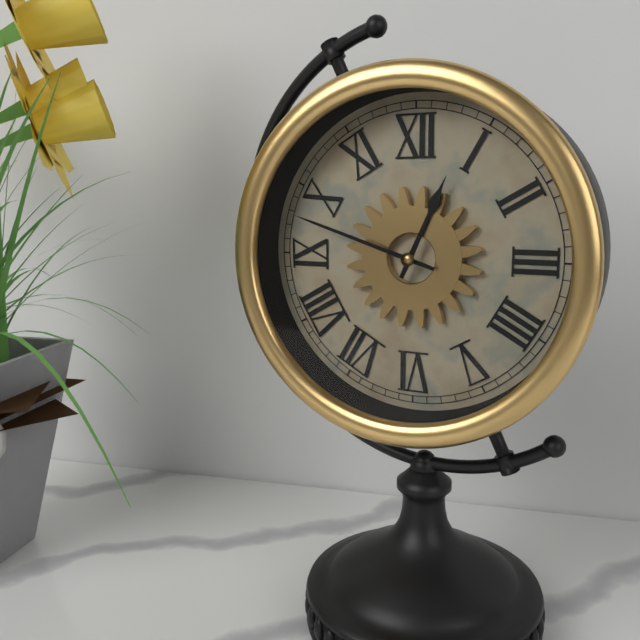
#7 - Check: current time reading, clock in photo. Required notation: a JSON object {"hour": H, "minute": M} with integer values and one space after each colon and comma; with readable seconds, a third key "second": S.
{"hour": 12, "minute": 48}
